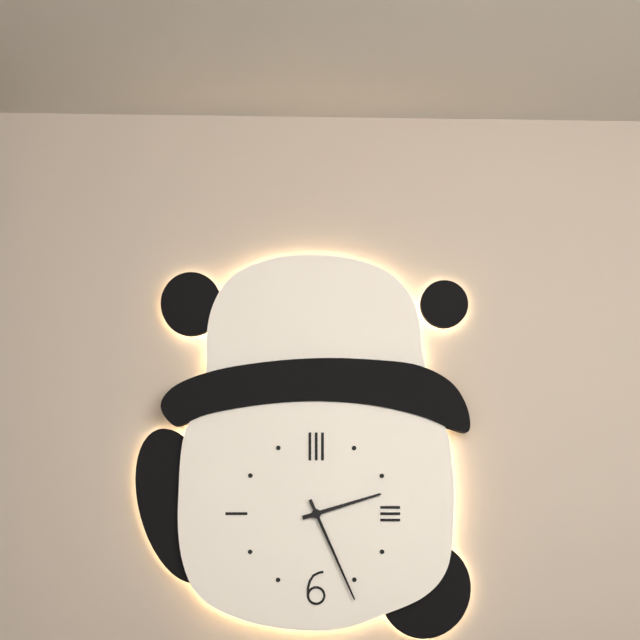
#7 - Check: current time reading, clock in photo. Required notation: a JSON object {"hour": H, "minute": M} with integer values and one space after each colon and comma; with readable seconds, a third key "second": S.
{"hour": 2, "minute": 26}
